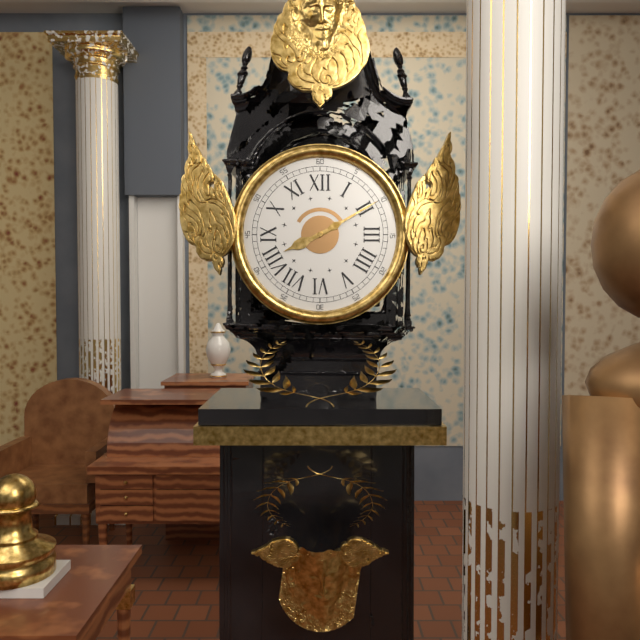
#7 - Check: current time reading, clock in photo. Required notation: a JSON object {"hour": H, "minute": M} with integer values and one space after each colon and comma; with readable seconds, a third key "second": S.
{"hour": 8, "minute": 10}
